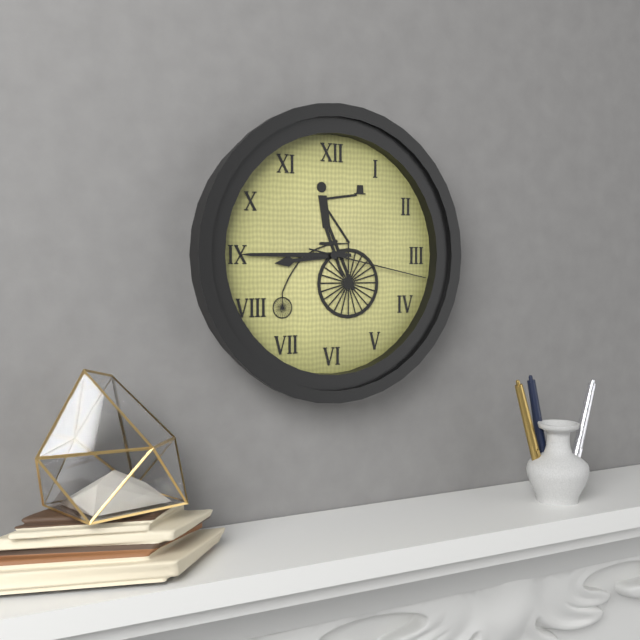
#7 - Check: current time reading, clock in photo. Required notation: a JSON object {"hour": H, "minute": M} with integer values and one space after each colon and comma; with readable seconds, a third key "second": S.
{"hour": 8, "minute": 45, "second": 17}
